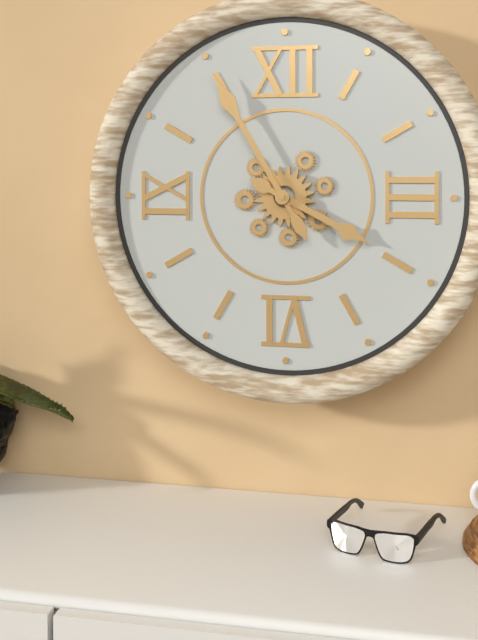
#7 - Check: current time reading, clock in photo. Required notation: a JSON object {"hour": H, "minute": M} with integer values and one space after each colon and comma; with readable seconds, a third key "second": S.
{"hour": 3, "minute": 55}
